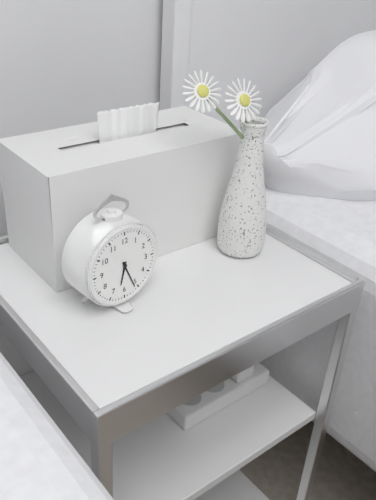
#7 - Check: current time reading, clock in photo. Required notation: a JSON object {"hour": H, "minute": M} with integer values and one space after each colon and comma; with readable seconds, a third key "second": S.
{"hour": 6, "minute": 26}
